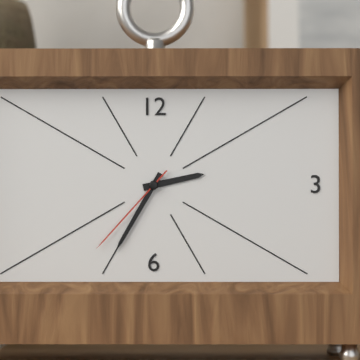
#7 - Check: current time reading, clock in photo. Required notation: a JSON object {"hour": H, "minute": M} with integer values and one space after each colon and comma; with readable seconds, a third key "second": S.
{"hour": 2, "minute": 35, "second": 37}
